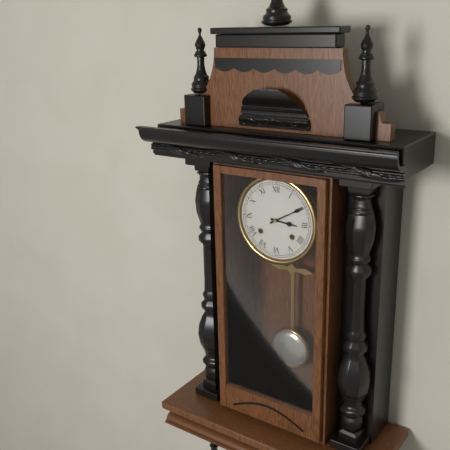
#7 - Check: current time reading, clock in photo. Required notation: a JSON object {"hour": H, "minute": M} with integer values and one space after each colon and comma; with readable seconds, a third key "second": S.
{"hour": 3, "minute": 10}
